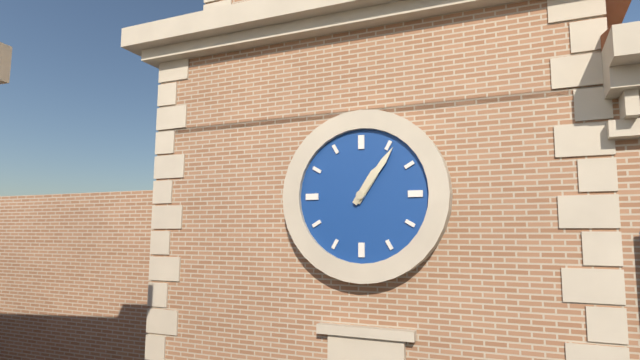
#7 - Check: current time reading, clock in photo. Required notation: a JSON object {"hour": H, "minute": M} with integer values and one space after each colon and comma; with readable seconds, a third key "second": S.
{"hour": 1, "minute": 6}
